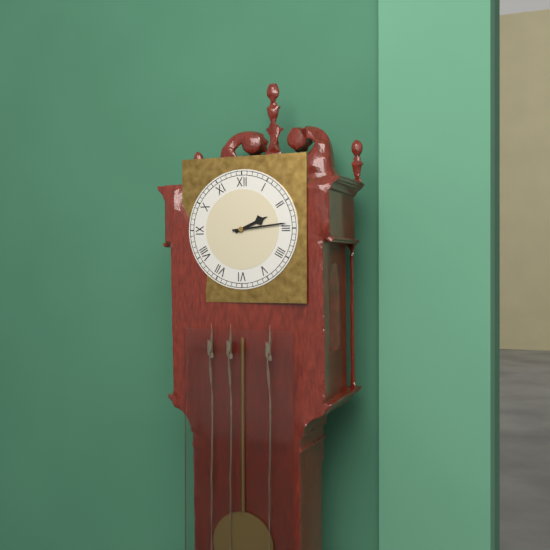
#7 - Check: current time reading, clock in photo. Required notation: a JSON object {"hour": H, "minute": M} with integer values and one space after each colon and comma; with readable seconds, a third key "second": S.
{"hour": 2, "minute": 14}
